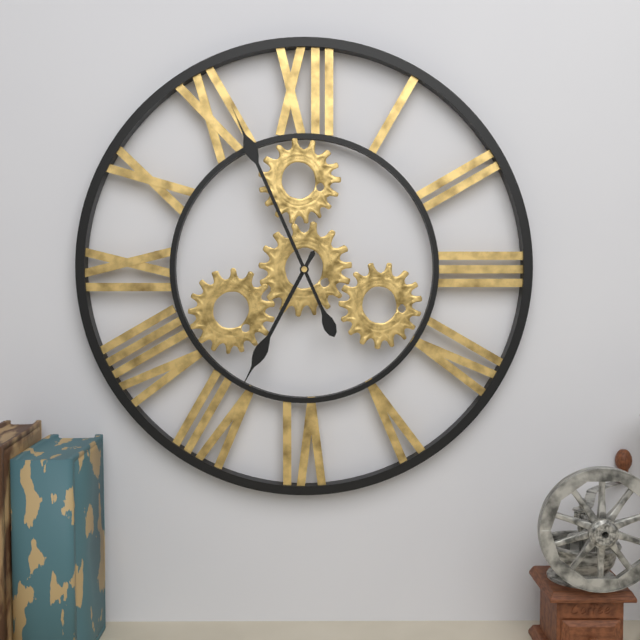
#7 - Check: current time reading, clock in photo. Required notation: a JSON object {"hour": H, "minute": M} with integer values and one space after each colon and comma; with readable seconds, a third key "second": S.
{"hour": 6, "minute": 56}
